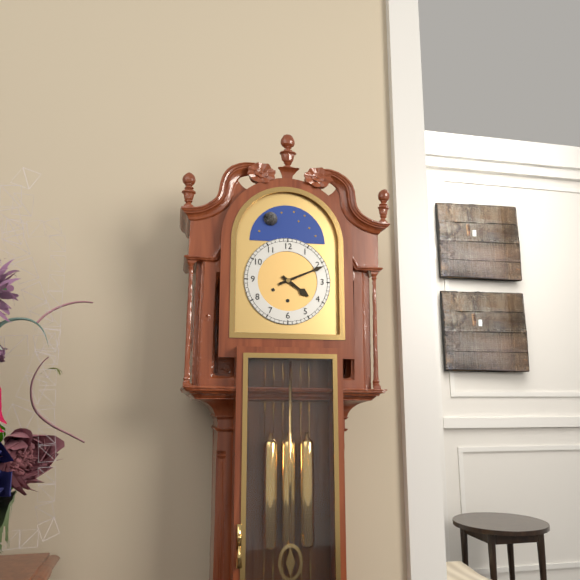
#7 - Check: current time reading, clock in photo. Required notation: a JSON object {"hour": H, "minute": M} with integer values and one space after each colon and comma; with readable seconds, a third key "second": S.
{"hour": 4, "minute": 11}
